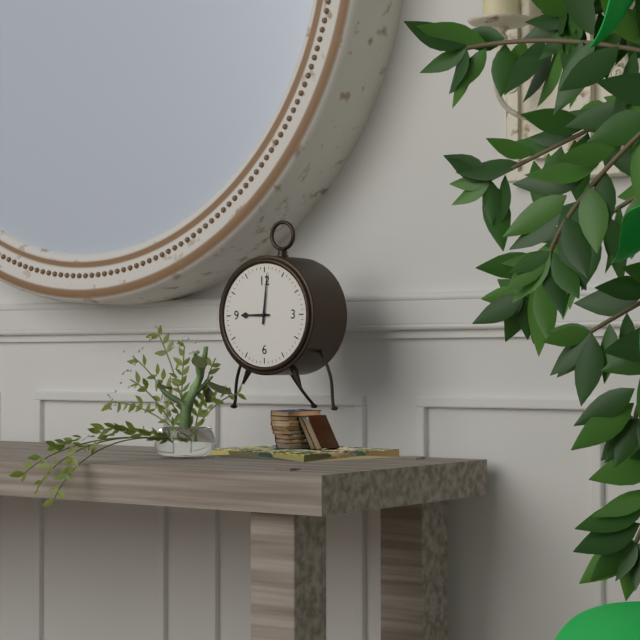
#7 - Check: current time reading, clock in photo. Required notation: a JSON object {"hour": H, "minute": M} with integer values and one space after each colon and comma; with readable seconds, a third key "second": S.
{"hour": 9, "minute": 1}
